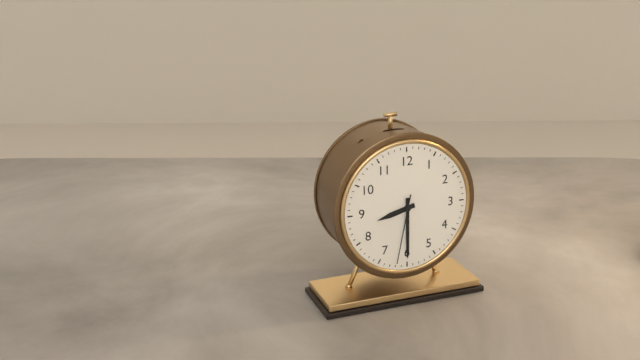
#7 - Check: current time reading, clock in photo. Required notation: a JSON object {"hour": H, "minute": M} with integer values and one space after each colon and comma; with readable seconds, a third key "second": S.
{"hour": 8, "minute": 30, "second": 32}
